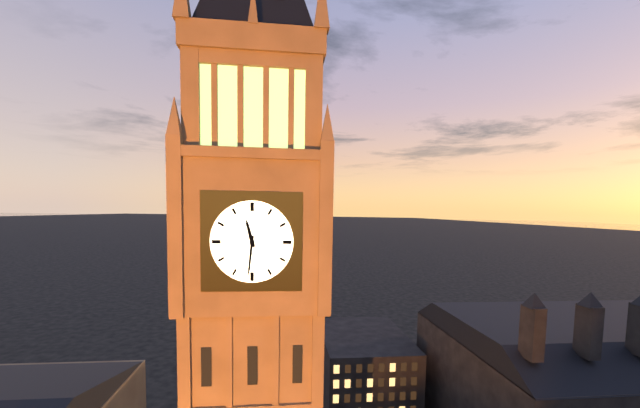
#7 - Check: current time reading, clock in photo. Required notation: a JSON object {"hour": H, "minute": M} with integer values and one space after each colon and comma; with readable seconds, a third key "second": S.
{"hour": 11, "minute": 31}
